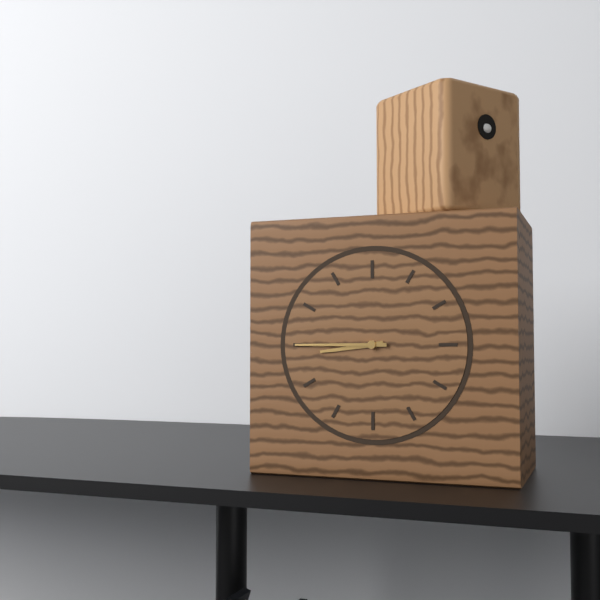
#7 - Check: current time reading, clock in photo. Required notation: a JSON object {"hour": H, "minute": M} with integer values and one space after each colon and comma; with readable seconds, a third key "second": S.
{"hour": 8, "minute": 45}
